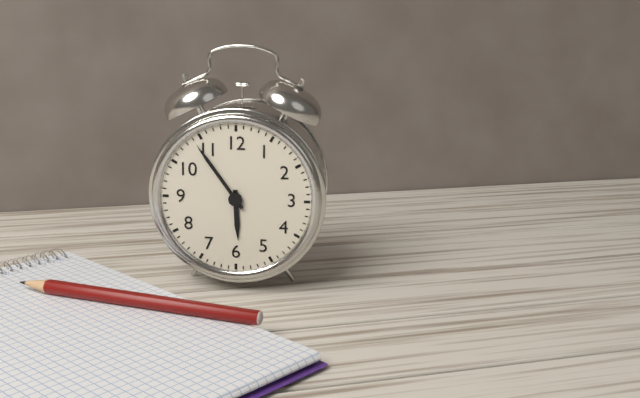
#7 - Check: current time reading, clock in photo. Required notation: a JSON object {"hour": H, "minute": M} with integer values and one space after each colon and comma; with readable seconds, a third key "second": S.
{"hour": 5, "minute": 54}
